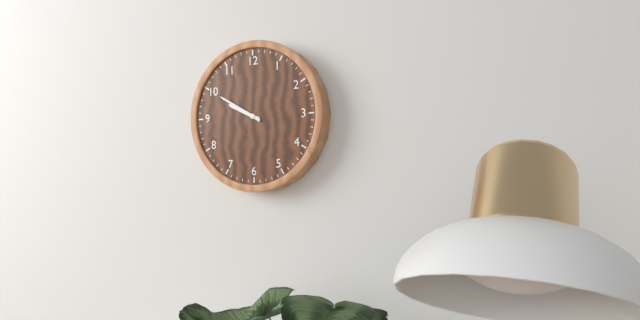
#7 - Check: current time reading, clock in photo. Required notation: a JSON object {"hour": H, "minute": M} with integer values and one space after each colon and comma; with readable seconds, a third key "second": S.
{"hour": 9, "minute": 50}
